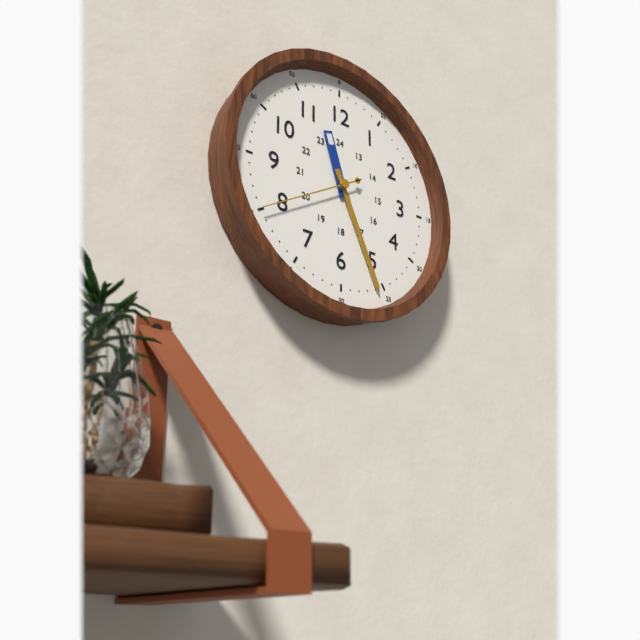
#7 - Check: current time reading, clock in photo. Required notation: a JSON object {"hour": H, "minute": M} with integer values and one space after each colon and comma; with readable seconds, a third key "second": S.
{"hour": 11, "minute": 26, "second": 40}
